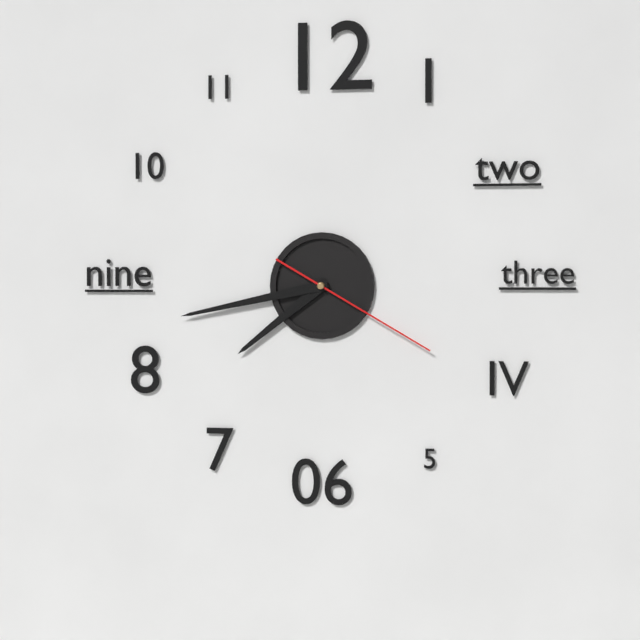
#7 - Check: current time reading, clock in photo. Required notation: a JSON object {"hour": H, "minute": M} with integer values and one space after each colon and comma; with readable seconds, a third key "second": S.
{"hour": 7, "minute": 43, "second": 20}
